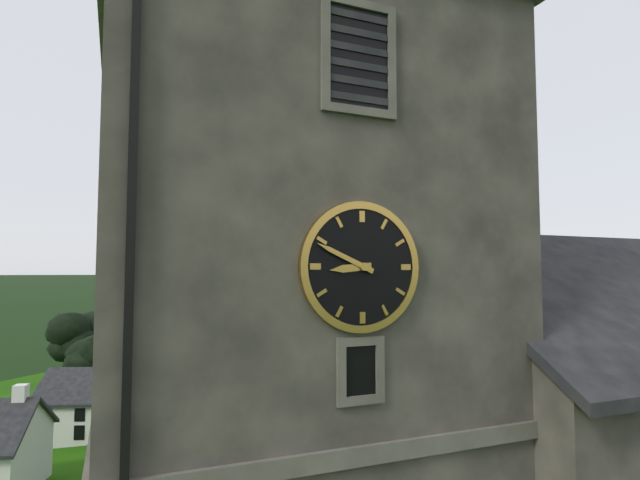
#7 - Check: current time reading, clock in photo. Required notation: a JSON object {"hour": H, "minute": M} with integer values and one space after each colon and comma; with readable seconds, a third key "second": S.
{"hour": 8, "minute": 49}
